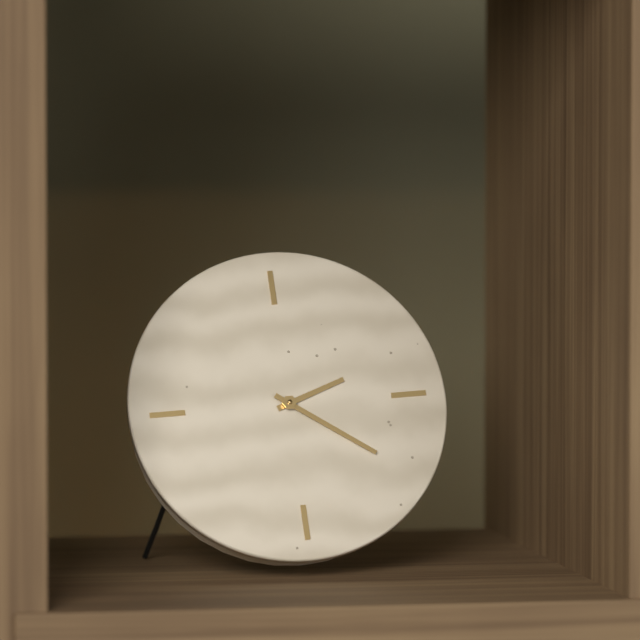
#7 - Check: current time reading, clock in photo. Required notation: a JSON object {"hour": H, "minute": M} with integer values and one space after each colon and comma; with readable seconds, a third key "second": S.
{"hour": 2, "minute": 21}
